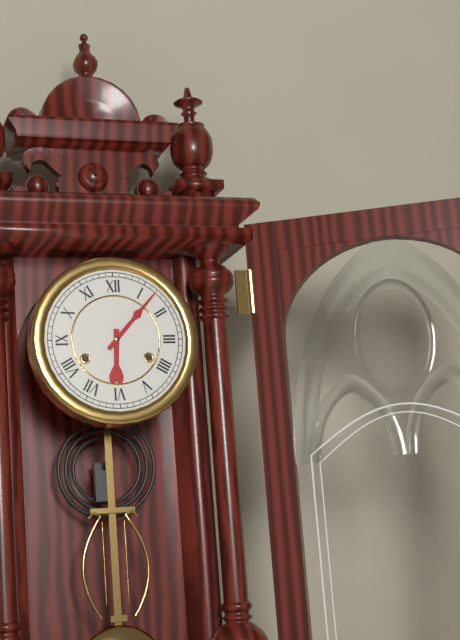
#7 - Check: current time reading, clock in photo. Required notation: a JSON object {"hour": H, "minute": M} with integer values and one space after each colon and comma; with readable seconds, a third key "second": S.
{"hour": 6, "minute": 7}
